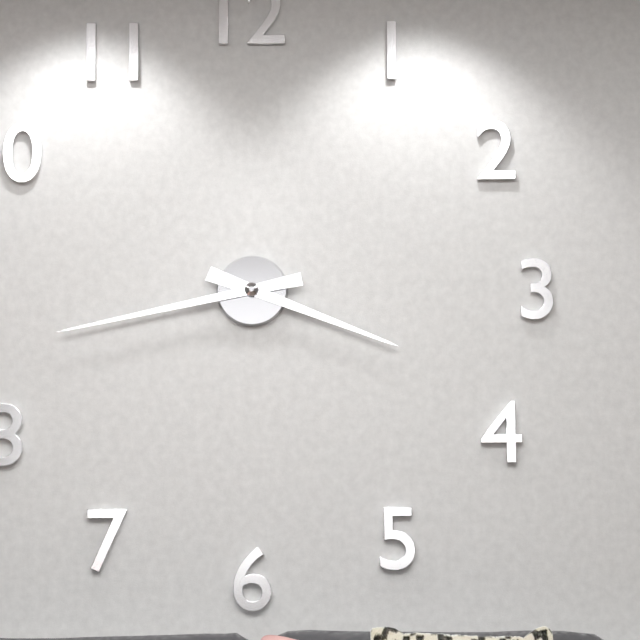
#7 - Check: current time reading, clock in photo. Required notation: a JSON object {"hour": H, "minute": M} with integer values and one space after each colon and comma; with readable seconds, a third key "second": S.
{"hour": 3, "minute": 43}
